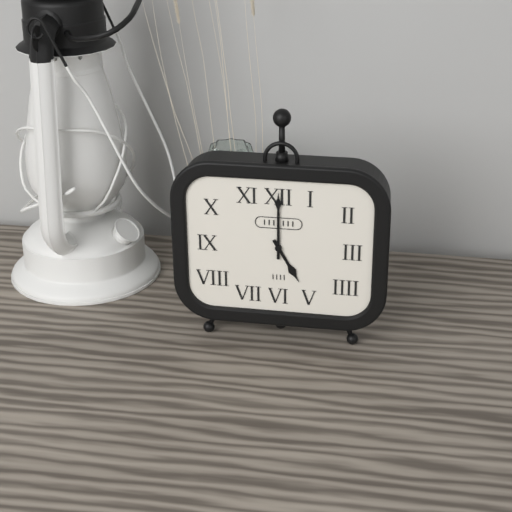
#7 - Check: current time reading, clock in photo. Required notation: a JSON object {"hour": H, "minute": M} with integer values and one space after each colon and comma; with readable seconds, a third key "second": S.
{"hour": 5, "minute": 0}
